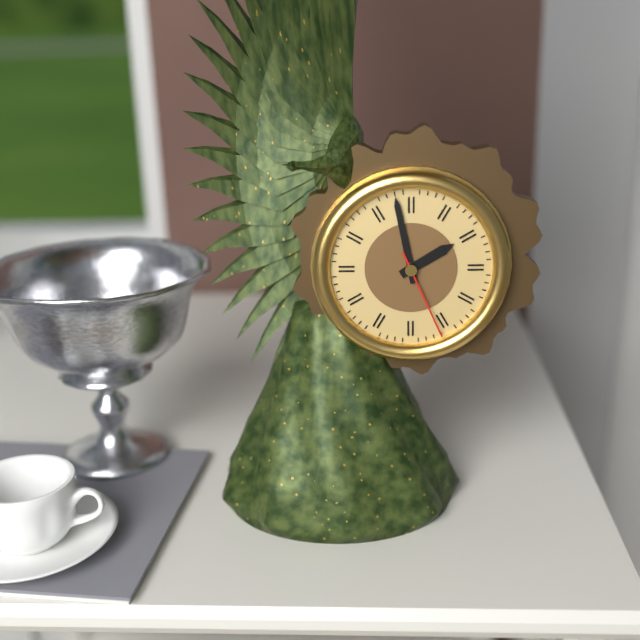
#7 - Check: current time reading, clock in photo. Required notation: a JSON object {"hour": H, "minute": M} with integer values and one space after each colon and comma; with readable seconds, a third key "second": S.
{"hour": 1, "minute": 58, "second": 26}
